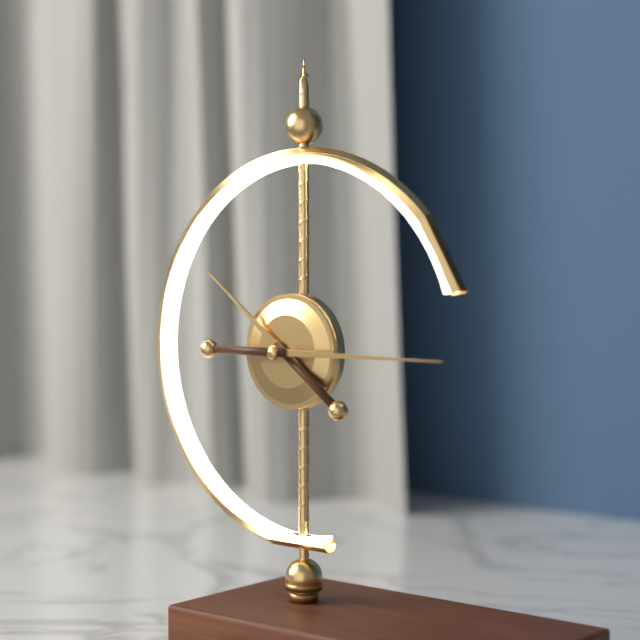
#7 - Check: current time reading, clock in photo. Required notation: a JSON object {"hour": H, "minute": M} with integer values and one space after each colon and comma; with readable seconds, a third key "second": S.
{"hour": 10, "minute": 15}
